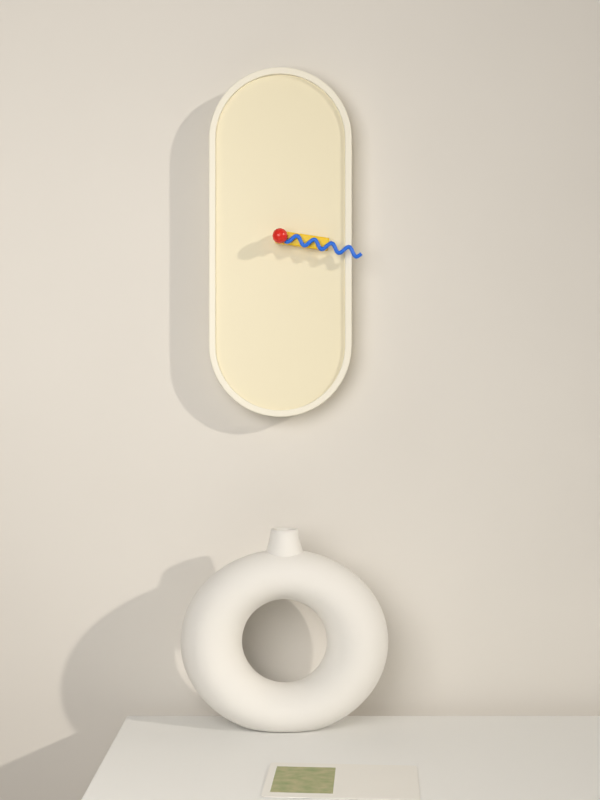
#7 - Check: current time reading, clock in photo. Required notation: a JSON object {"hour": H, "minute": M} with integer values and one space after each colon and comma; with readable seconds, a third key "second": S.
{"hour": 3, "minute": 17}
